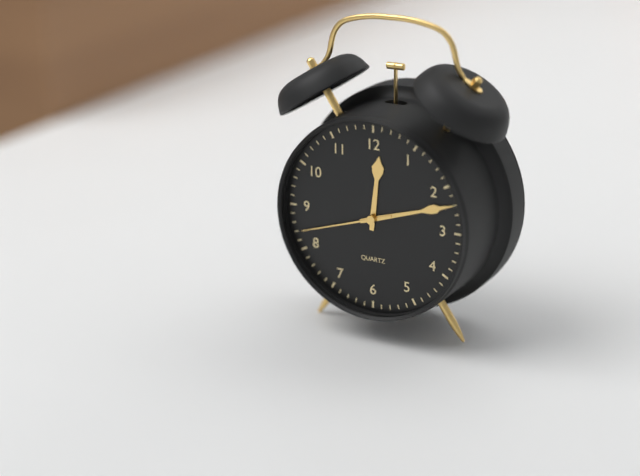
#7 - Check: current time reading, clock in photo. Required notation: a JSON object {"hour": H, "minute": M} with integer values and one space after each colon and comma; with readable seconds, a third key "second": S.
{"hour": 12, "minute": 12, "second": 42}
